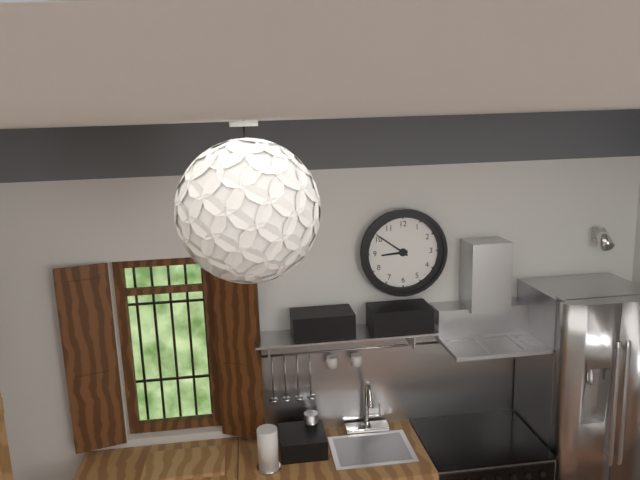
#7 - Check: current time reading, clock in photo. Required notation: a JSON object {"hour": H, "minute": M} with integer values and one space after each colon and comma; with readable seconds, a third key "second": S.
{"hour": 8, "minute": 51}
